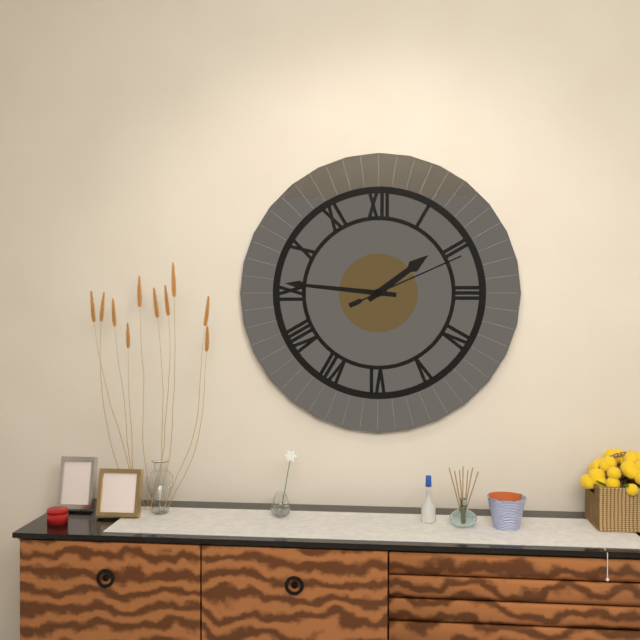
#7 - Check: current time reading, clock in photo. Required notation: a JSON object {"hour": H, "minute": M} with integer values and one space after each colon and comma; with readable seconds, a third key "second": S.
{"hour": 1, "minute": 46, "second": 11}
